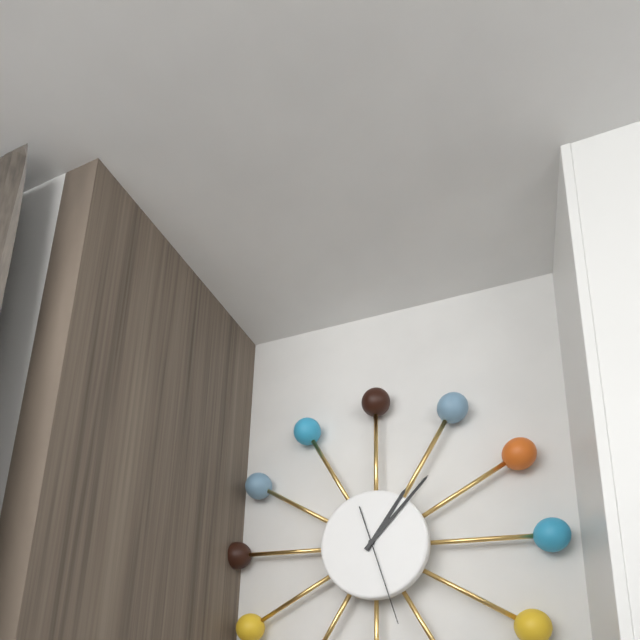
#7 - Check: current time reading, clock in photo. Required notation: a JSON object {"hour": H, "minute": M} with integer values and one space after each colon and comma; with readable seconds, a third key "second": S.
{"hour": 1, "minute": 7, "second": 27}
